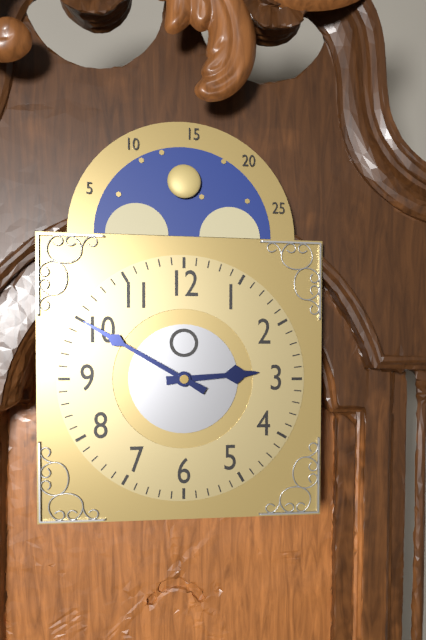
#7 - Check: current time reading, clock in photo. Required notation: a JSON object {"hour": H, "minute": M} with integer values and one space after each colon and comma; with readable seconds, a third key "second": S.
{"hour": 2, "minute": 50}
